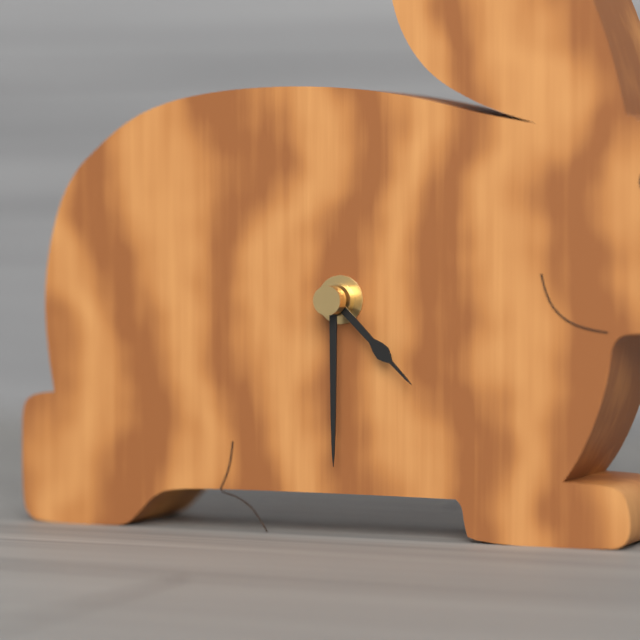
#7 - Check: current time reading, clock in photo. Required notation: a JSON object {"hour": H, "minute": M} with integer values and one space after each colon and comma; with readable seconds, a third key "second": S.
{"hour": 4, "minute": 30}
